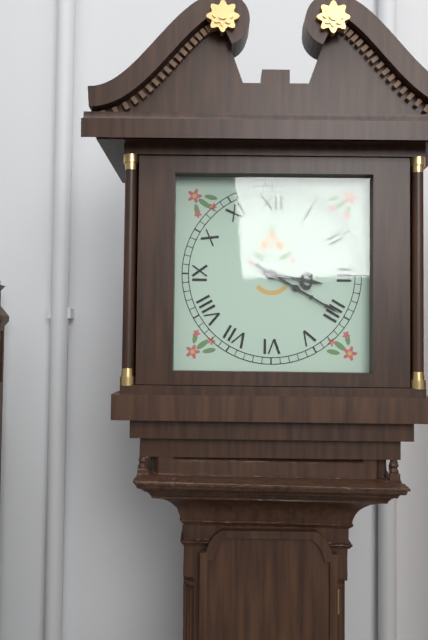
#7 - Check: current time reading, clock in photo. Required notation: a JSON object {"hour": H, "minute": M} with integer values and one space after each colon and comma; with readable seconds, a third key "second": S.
{"hour": 3, "minute": 20}
